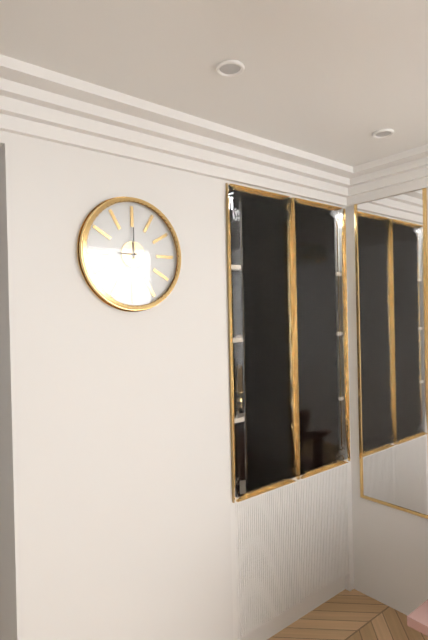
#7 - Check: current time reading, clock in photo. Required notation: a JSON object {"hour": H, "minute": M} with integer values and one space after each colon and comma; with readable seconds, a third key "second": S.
{"hour": 9, "minute": 0}
